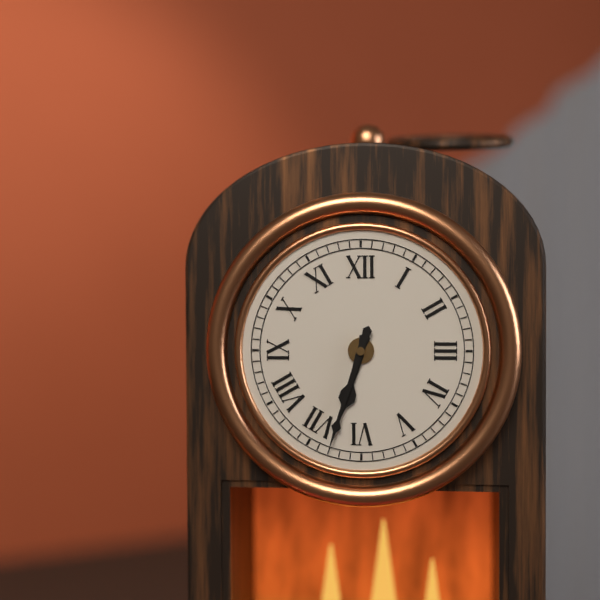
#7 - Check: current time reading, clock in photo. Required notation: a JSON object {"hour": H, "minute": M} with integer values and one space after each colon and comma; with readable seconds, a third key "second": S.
{"hour": 6, "minute": 33}
